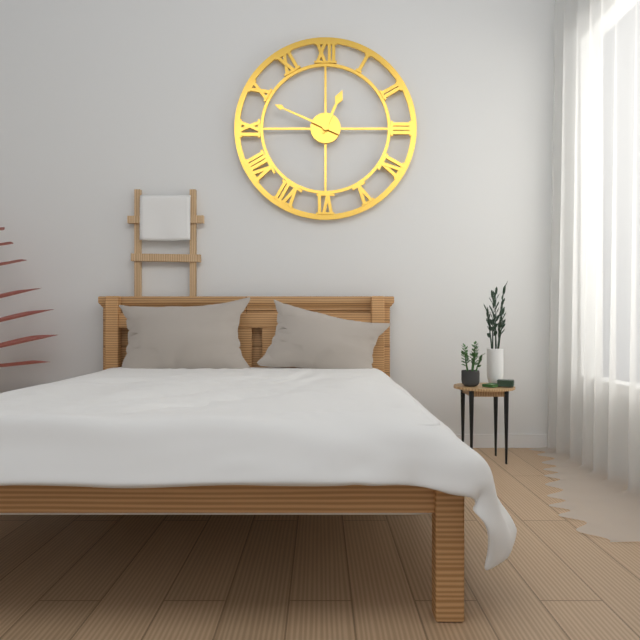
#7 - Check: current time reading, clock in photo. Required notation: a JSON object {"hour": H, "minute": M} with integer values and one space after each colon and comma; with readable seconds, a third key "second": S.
{"hour": 12, "minute": 49}
